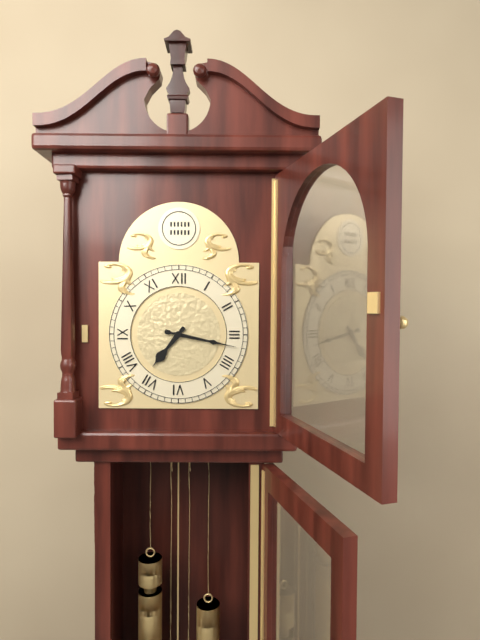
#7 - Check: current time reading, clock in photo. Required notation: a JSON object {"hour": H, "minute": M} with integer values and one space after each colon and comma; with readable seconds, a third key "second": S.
{"hour": 7, "minute": 17}
